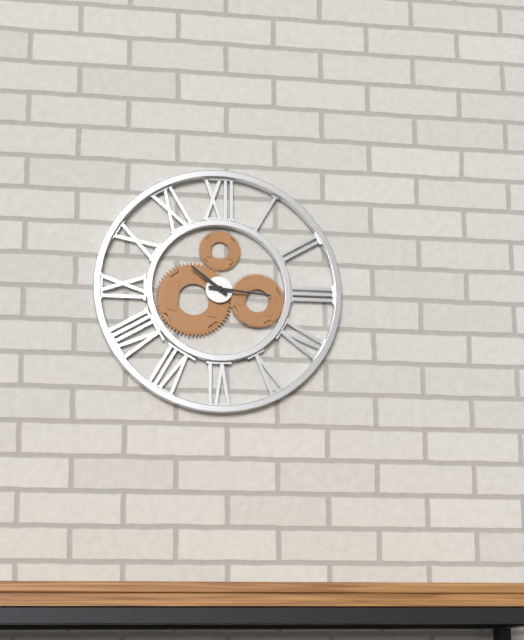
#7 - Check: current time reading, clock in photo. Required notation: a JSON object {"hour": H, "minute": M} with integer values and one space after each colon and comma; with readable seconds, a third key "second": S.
{"hour": 10, "minute": 16}
